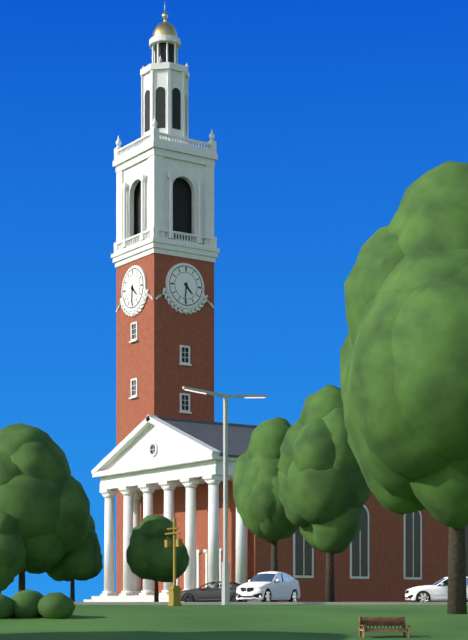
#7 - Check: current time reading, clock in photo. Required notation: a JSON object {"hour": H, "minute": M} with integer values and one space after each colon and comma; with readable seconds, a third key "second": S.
{"hour": 4, "minute": 31}
